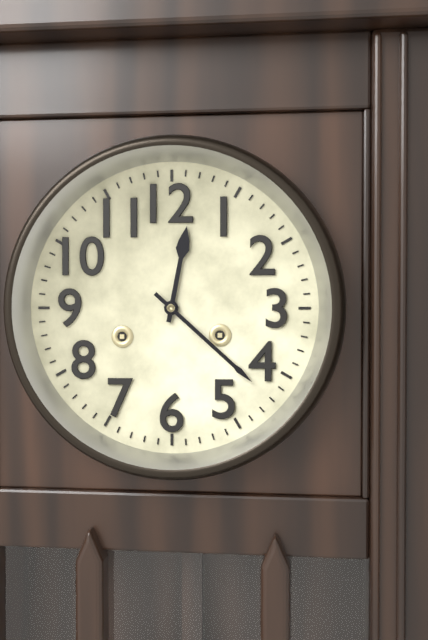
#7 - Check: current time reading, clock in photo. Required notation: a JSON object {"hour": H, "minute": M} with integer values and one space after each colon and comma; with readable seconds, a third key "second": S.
{"hour": 12, "minute": 22}
